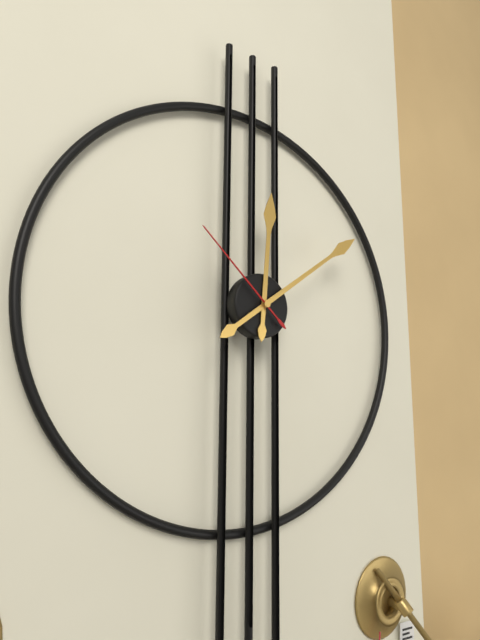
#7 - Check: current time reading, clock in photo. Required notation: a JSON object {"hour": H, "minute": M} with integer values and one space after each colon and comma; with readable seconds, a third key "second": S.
{"hour": 12, "minute": 9, "second": 52}
